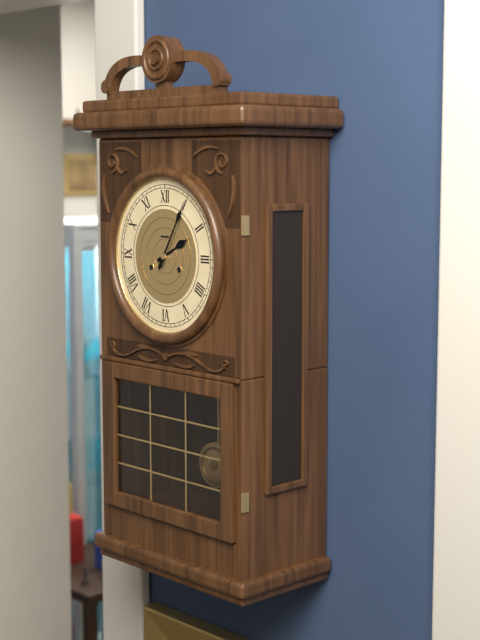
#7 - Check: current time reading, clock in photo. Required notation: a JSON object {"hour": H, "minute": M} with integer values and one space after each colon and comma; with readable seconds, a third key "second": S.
{"hour": 2, "minute": 5}
